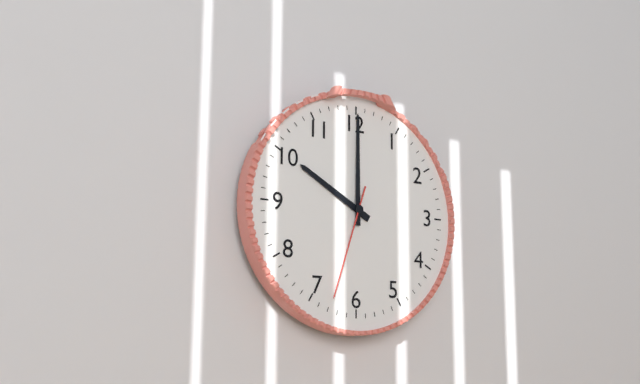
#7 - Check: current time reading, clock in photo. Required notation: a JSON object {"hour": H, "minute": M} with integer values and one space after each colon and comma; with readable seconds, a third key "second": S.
{"hour": 10, "minute": 0, "second": 33}
